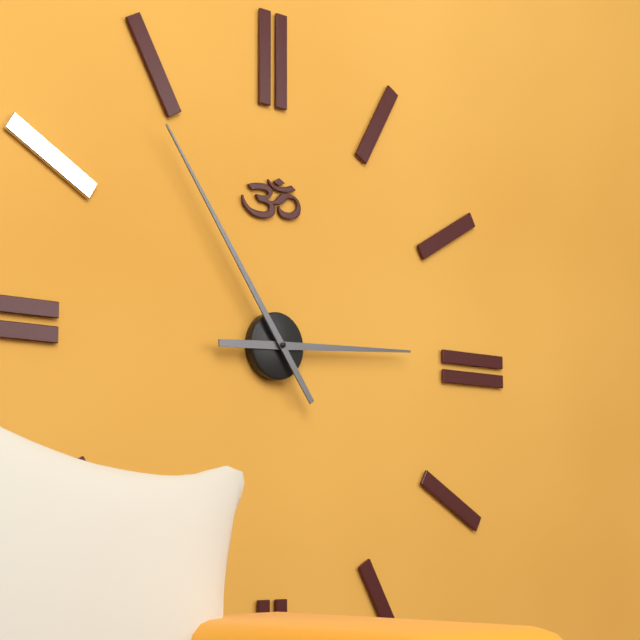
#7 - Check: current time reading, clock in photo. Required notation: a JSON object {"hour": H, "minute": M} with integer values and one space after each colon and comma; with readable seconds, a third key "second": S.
{"hour": 2, "minute": 54}
